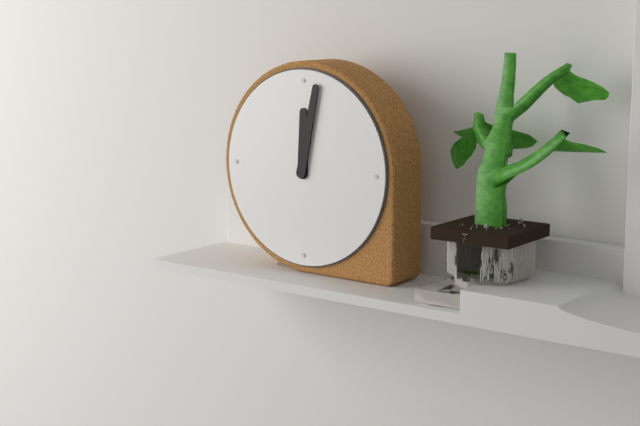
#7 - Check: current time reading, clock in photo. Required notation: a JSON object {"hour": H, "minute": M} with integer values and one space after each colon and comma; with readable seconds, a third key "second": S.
{"hour": 12, "minute": 2}
